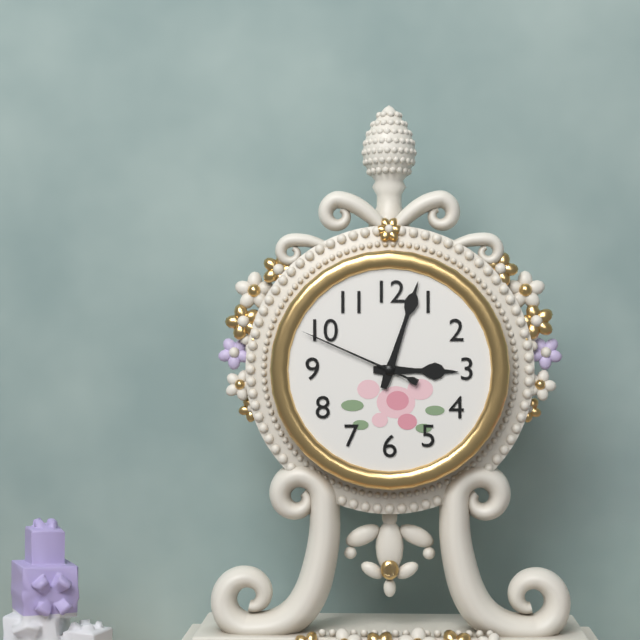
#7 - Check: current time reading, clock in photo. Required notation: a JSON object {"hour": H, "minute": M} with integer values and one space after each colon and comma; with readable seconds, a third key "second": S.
{"hour": 3, "minute": 3, "second": 49}
